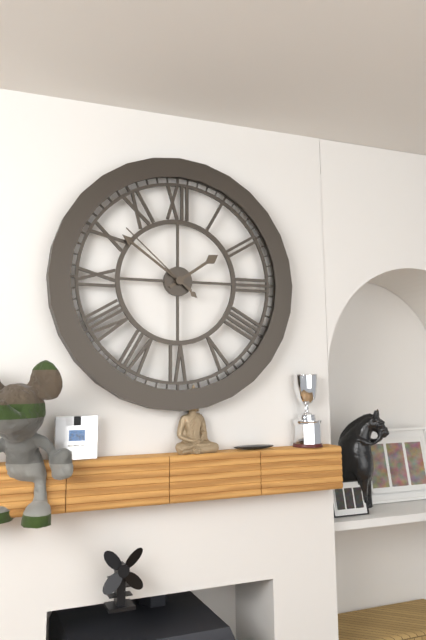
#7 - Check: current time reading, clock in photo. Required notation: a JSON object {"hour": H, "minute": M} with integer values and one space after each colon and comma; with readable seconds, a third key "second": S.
{"hour": 1, "minute": 51, "second": 52}
